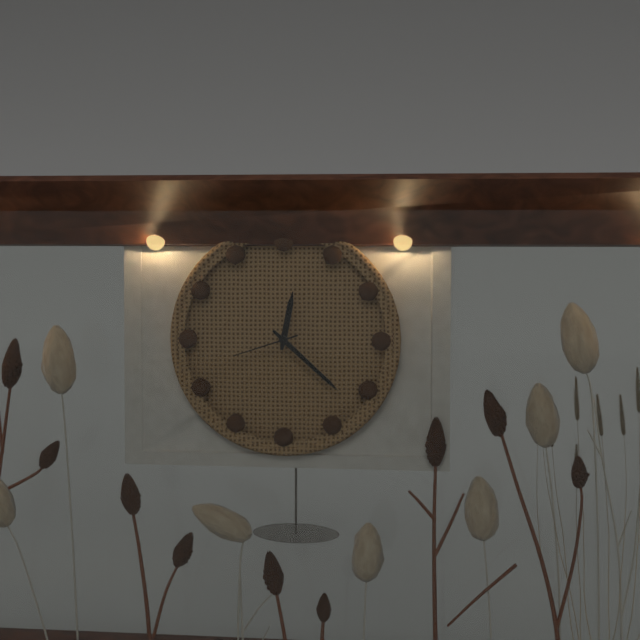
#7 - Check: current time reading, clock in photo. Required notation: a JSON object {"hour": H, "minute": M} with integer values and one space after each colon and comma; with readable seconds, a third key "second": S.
{"hour": 12, "minute": 22, "second": 42}
